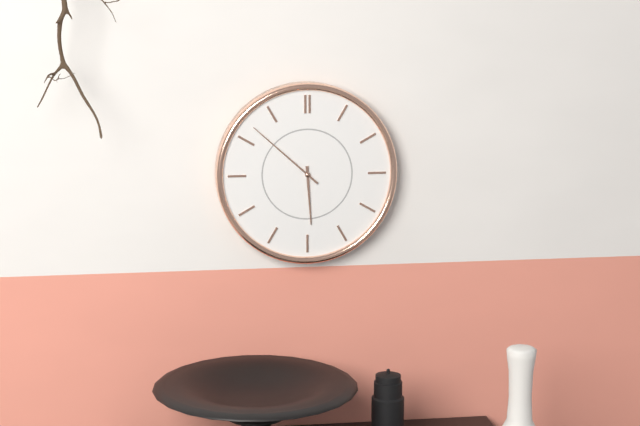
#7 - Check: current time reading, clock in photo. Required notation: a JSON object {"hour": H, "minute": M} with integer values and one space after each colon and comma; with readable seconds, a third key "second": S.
{"hour": 5, "minute": 52}
